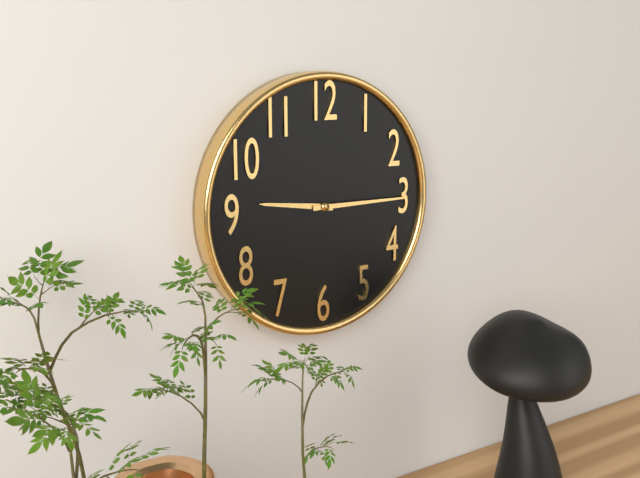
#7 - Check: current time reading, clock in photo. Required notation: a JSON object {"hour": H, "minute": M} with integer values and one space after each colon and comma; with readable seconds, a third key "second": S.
{"hour": 9, "minute": 15}
